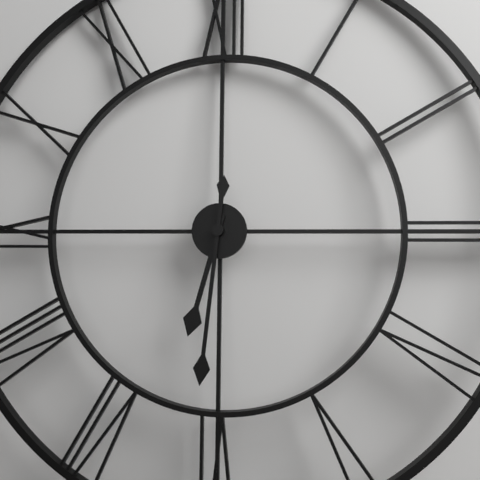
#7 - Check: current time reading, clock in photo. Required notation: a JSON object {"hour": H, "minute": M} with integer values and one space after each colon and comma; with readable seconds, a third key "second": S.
{"hour": 6, "minute": 31}
